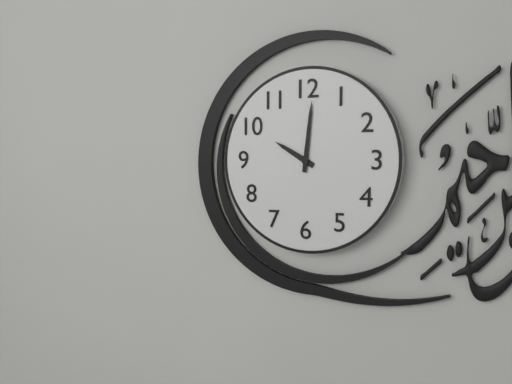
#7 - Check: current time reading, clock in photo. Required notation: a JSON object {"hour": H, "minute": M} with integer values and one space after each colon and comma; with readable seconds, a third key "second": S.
{"hour": 10, "minute": 1}
